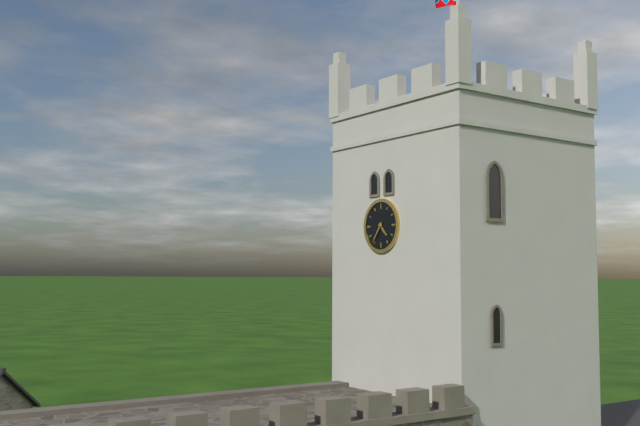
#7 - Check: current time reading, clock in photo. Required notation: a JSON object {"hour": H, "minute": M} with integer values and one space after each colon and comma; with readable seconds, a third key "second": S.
{"hour": 4, "minute": 36}
